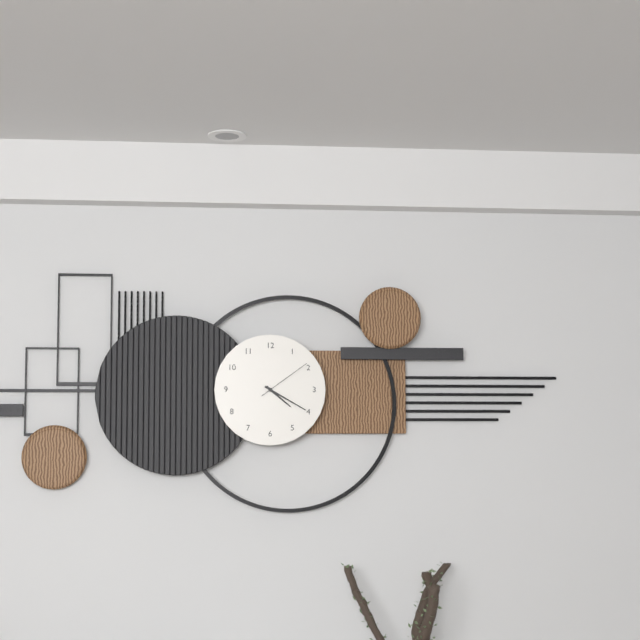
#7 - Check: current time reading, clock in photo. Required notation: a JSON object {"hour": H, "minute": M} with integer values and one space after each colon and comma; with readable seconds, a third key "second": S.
{"hour": 4, "minute": 20, "second": 9}
